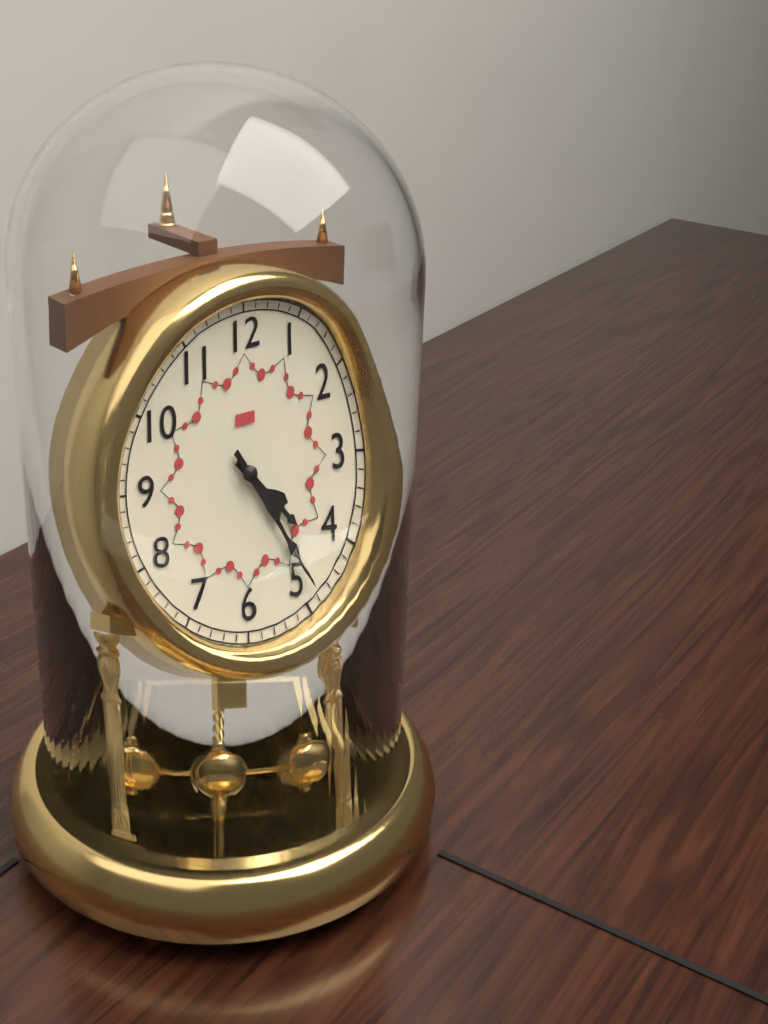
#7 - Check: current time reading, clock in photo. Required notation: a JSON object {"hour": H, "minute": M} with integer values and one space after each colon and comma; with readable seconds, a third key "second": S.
{"hour": 4, "minute": 24}
